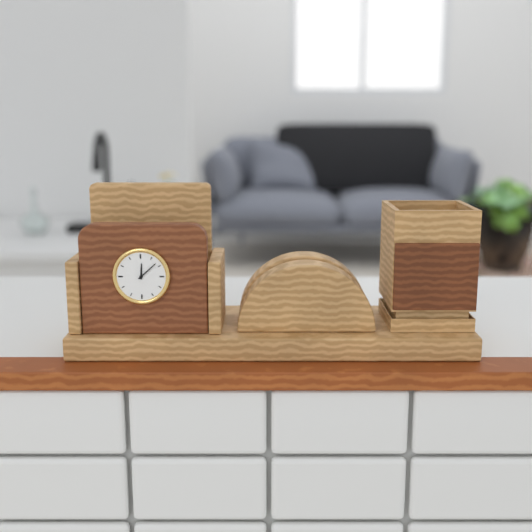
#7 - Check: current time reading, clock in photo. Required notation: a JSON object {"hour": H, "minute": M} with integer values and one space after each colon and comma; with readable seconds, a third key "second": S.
{"hour": 12, "minute": 8}
